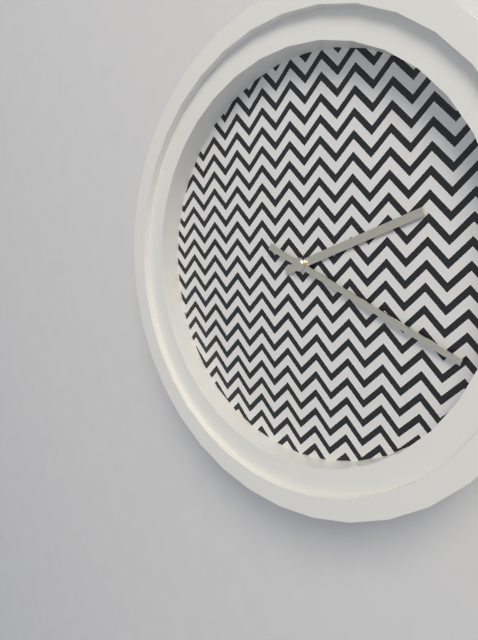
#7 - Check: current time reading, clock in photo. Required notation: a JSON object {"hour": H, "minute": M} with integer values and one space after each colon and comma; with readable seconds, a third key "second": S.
{"hour": 2, "minute": 19}
